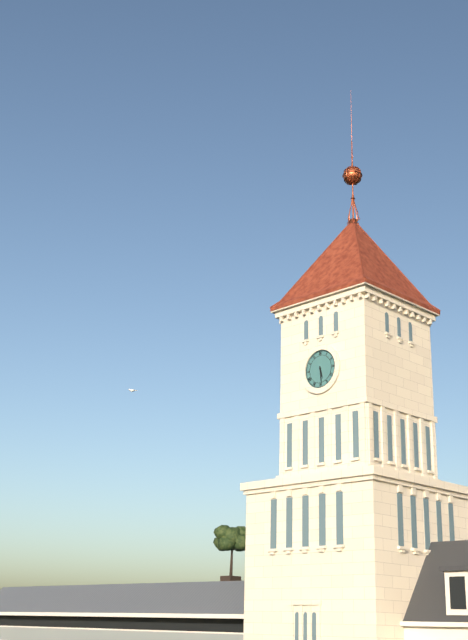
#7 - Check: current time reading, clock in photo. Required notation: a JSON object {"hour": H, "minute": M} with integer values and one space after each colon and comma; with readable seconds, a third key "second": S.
{"hour": 5, "minute": 29}
